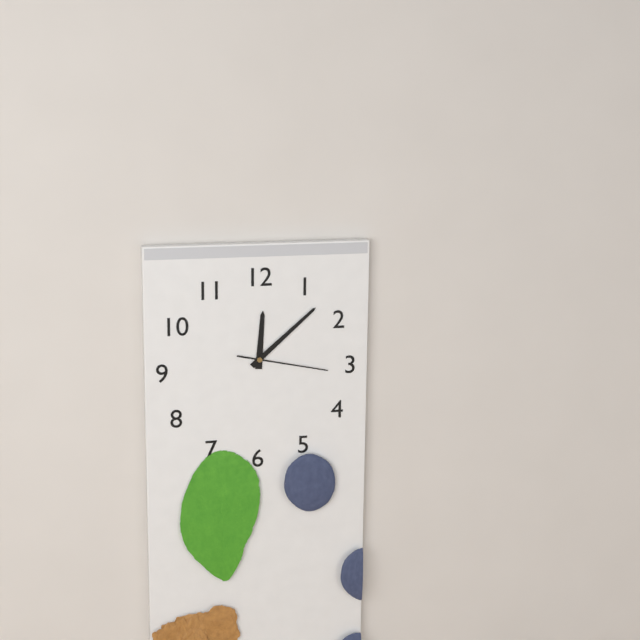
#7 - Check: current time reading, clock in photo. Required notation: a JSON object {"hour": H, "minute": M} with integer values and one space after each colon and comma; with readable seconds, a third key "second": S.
{"hour": 12, "minute": 8, "second": 17}
